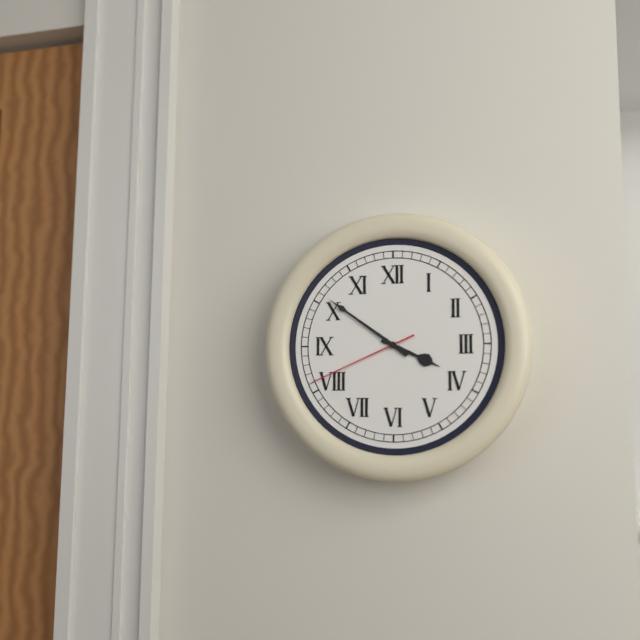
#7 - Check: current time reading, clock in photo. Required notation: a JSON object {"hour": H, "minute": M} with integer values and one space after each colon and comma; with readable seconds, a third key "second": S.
{"hour": 3, "minute": 51, "second": 41}
